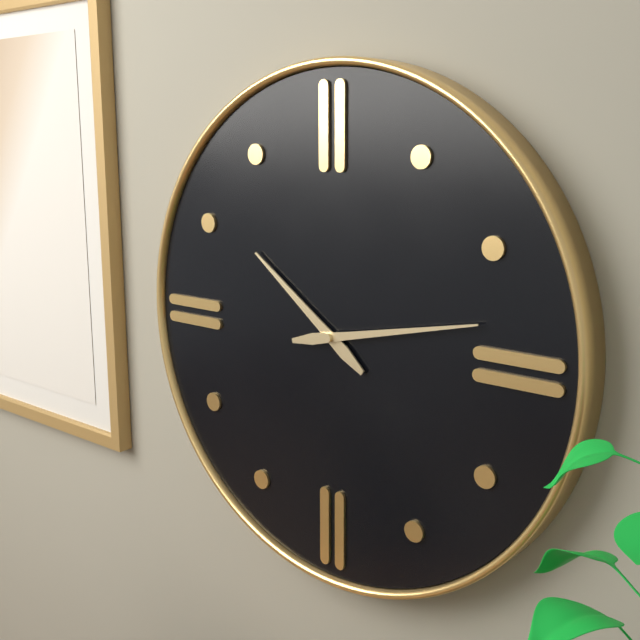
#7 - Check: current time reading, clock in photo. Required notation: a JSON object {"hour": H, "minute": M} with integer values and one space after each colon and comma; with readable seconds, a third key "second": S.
{"hour": 10, "minute": 13}
